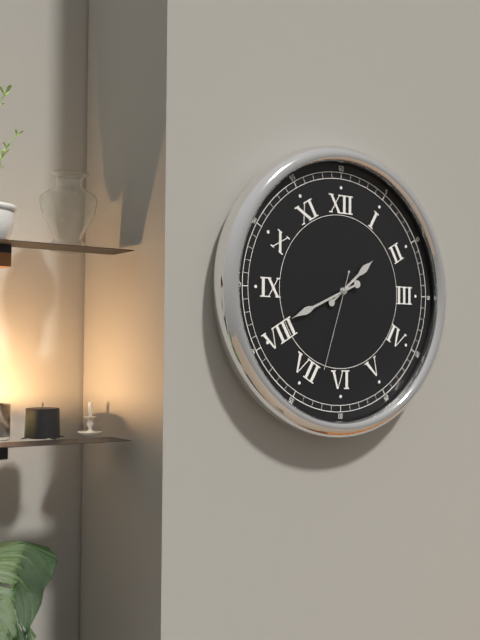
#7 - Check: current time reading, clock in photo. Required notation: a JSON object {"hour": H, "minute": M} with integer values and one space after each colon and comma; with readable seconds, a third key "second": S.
{"hour": 1, "minute": 41, "second": 33}
